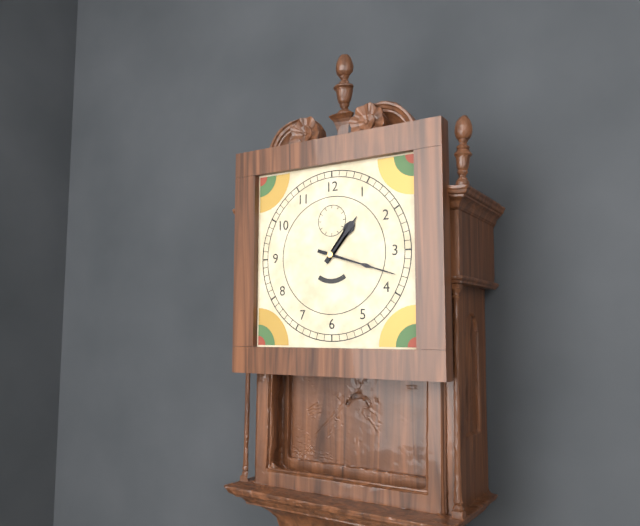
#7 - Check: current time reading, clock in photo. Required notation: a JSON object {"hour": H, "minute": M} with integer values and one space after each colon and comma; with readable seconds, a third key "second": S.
{"hour": 1, "minute": 18}
